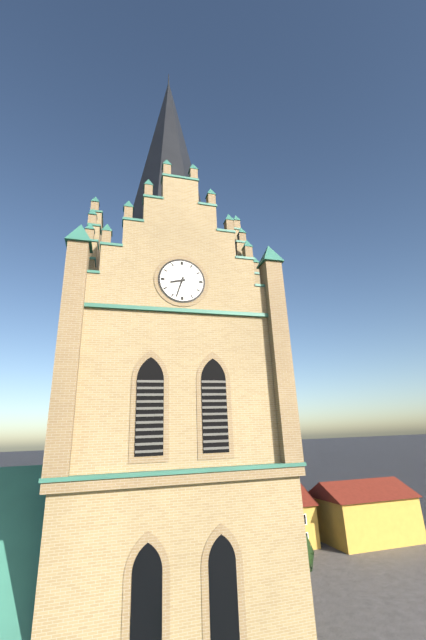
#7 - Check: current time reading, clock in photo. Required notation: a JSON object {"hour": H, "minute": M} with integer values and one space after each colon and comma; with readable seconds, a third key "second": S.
{"hour": 8, "minute": 33}
